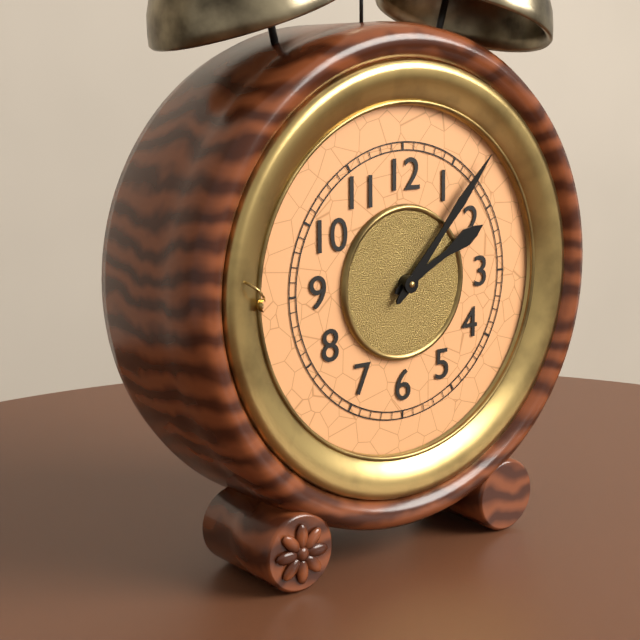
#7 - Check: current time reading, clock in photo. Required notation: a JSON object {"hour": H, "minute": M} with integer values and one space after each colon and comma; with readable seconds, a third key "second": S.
{"hour": 2, "minute": 7}
